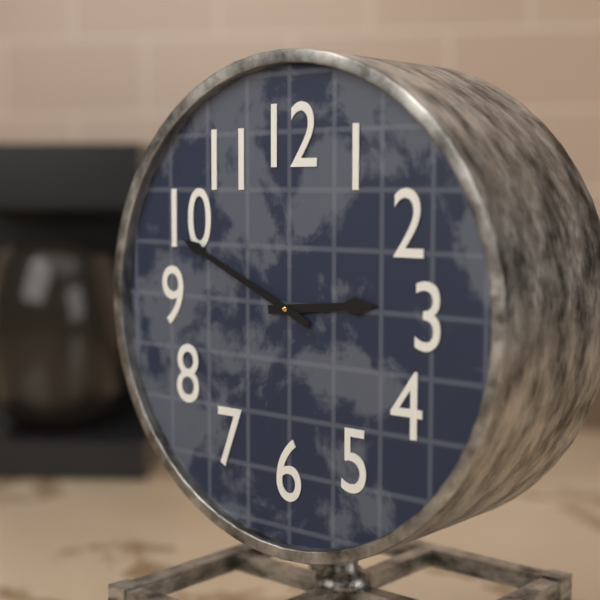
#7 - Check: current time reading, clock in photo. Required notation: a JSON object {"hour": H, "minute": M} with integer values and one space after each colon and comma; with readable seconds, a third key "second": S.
{"hour": 2, "minute": 49}
